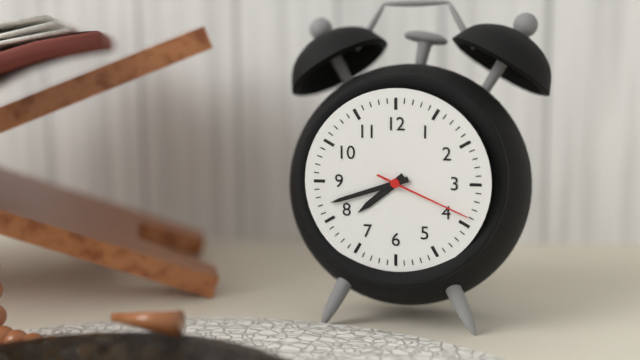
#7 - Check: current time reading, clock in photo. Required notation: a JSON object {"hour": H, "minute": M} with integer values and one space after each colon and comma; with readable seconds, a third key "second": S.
{"hour": 7, "minute": 42, "second": 19}
